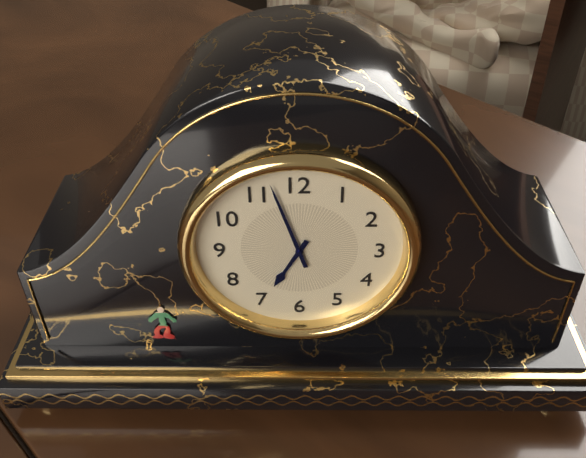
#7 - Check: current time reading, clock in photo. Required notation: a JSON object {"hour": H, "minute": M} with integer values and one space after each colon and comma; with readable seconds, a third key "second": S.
{"hour": 6, "minute": 57}
